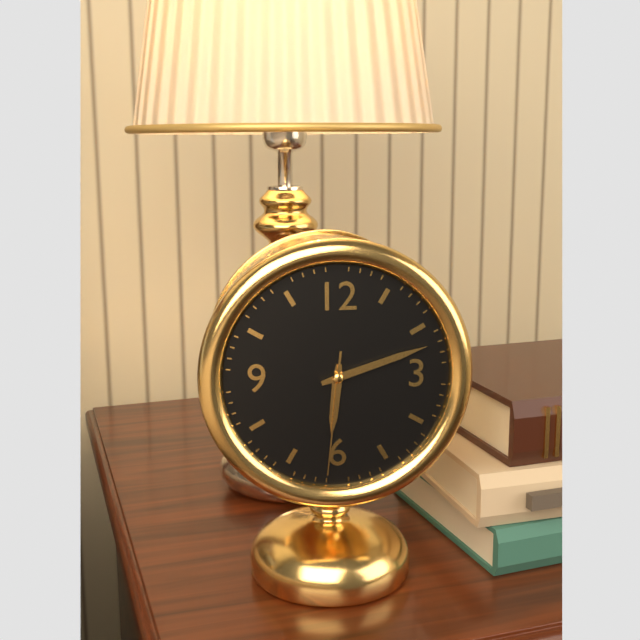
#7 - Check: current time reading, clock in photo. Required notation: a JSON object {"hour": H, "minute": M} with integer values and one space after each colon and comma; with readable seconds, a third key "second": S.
{"hour": 6, "minute": 12, "second": 31}
